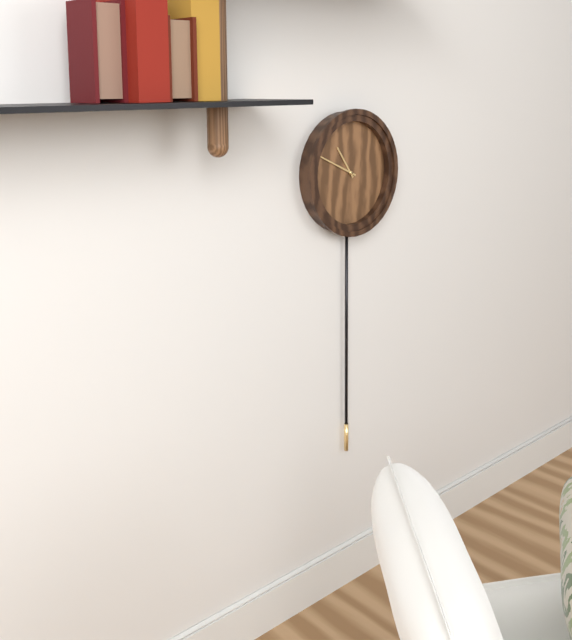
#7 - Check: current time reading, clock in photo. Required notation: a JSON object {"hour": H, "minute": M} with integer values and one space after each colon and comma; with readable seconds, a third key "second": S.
{"hour": 10, "minute": 49}
